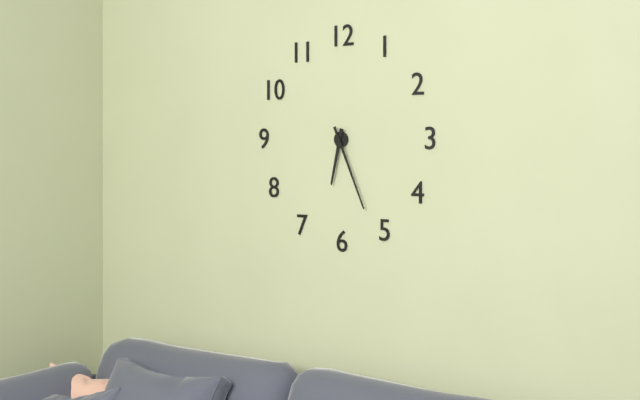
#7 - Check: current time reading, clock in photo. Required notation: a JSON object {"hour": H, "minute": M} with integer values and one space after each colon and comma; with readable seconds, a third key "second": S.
{"hour": 6, "minute": 26}
